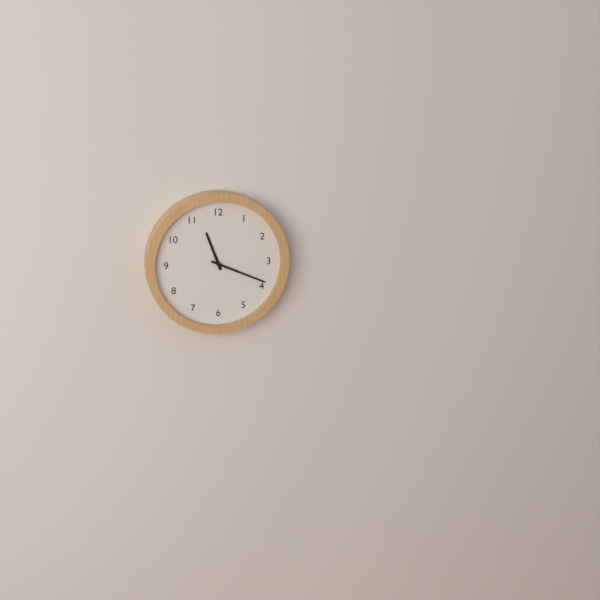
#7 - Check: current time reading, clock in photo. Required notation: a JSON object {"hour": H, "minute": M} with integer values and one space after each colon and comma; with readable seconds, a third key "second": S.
{"hour": 11, "minute": 19}
